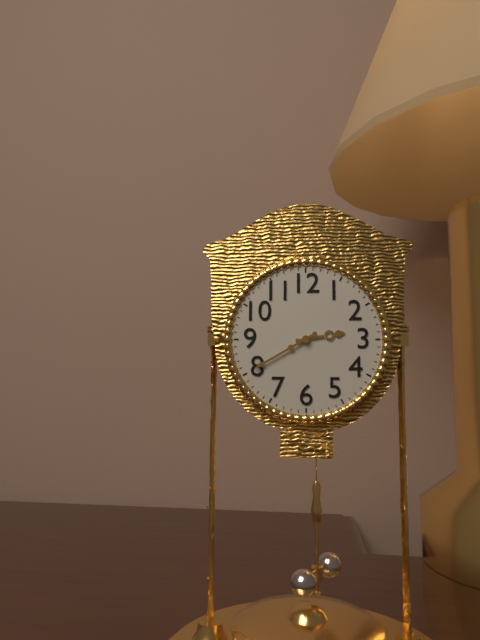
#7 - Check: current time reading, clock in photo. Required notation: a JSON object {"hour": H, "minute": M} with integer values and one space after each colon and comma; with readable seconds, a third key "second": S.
{"hour": 2, "minute": 40}
